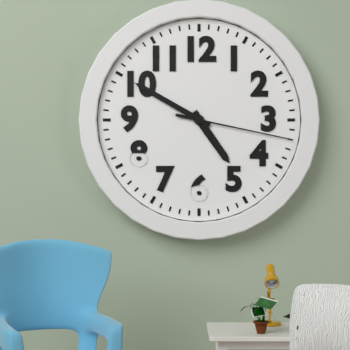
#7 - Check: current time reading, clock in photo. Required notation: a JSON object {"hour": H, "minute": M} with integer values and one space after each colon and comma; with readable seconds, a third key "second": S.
{"hour": 4, "minute": 50, "second": 17}
